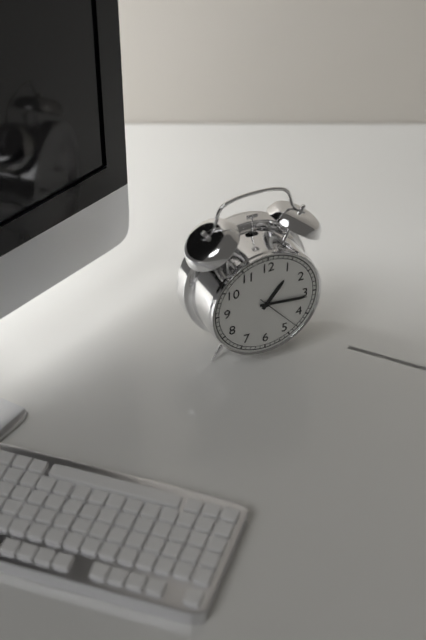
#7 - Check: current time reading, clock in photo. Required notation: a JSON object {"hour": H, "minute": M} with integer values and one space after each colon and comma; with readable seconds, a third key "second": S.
{"hour": 1, "minute": 16}
